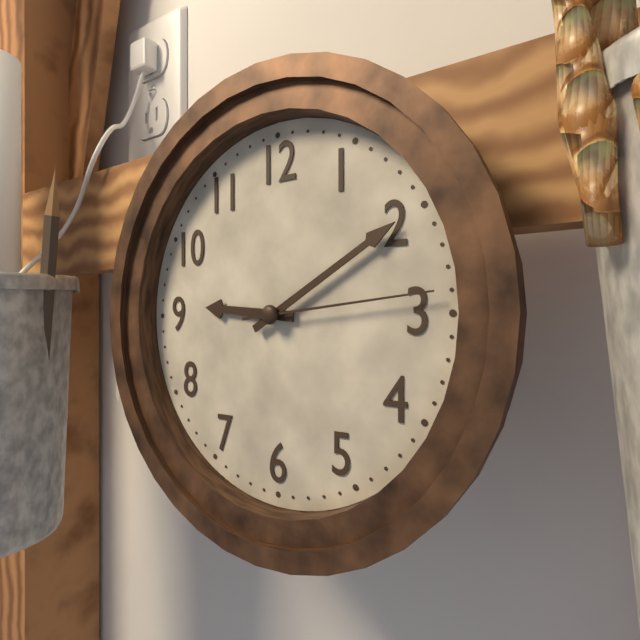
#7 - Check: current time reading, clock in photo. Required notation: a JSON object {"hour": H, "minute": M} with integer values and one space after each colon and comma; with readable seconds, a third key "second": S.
{"hour": 9, "minute": 10, "second": 14}
